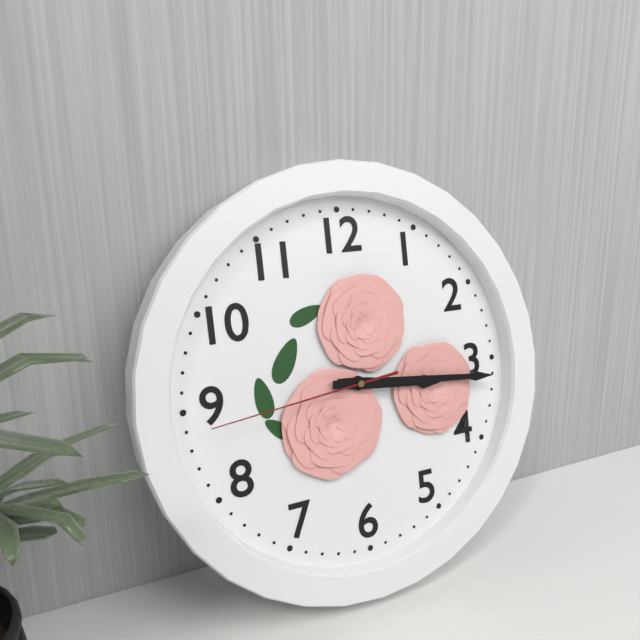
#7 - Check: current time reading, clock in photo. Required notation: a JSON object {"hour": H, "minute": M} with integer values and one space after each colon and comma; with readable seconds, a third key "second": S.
{"hour": 3, "minute": 16, "second": 44}
